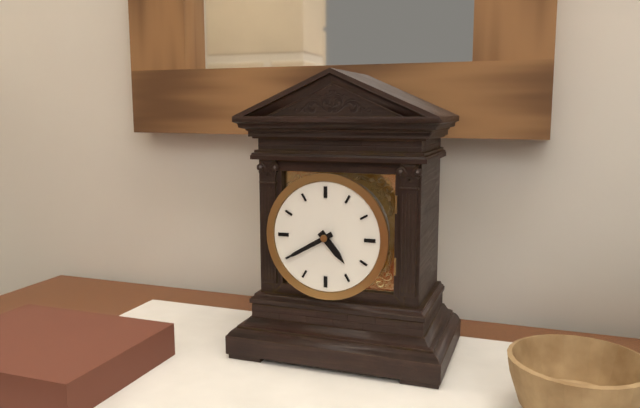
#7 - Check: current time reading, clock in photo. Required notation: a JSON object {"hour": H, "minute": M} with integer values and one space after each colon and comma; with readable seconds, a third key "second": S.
{"hour": 4, "minute": 40}
